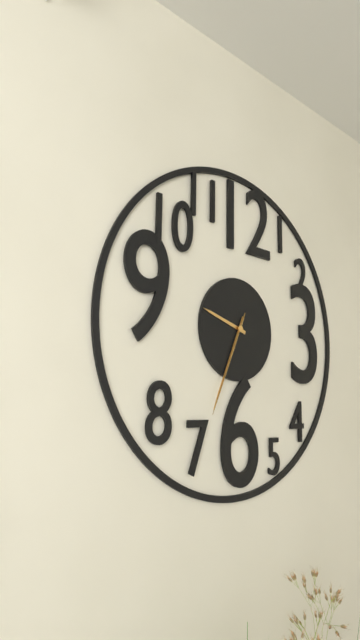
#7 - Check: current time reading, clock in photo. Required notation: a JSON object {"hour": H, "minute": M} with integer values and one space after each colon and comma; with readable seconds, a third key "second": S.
{"hour": 9, "minute": 34, "second": 34}
